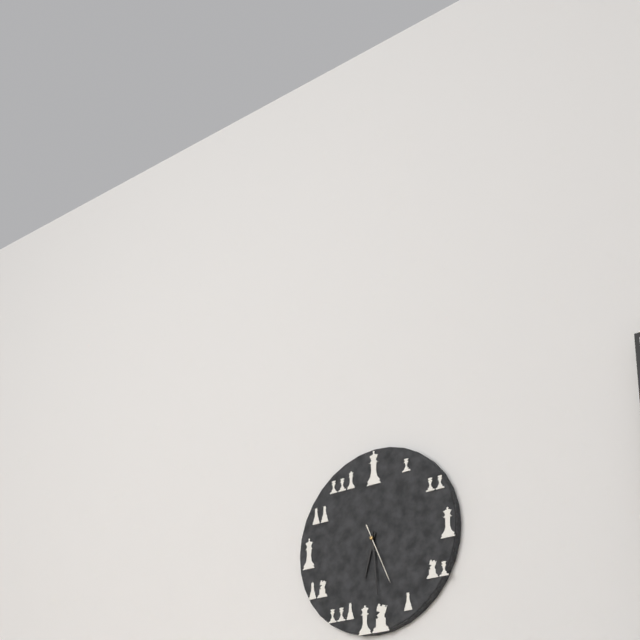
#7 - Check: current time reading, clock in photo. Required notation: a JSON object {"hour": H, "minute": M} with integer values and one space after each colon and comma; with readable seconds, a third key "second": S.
{"hour": 6, "minute": 29, "second": 26}
